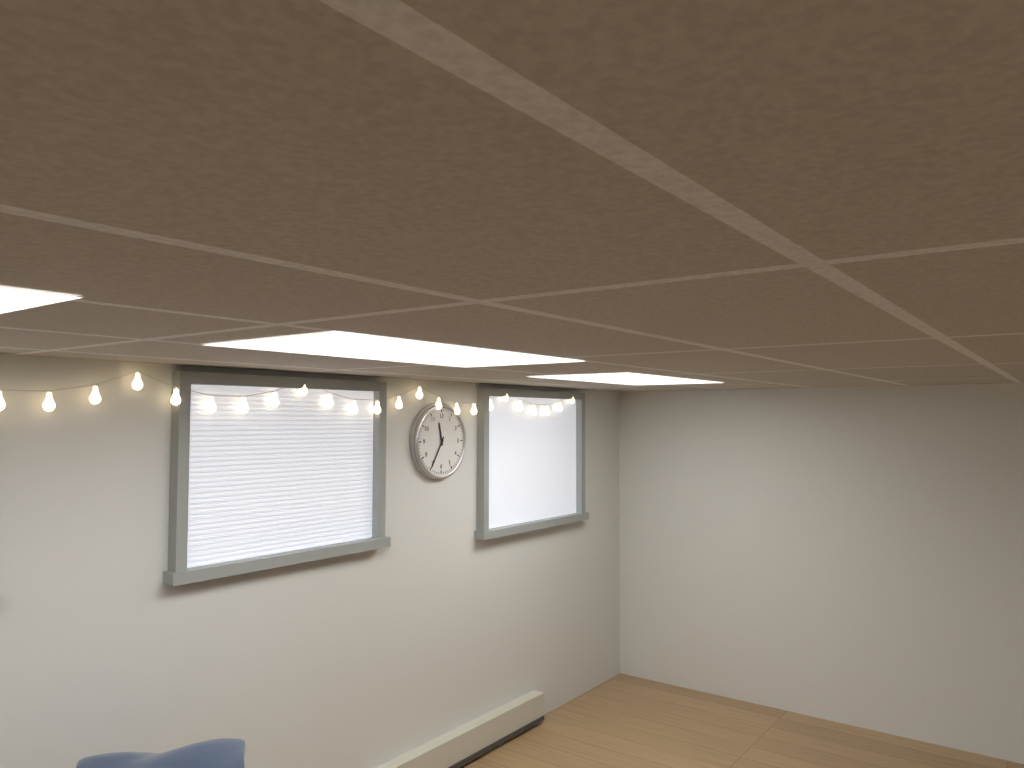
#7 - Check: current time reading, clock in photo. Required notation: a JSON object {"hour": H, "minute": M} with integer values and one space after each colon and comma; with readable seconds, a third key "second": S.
{"hour": 11, "minute": 35}
